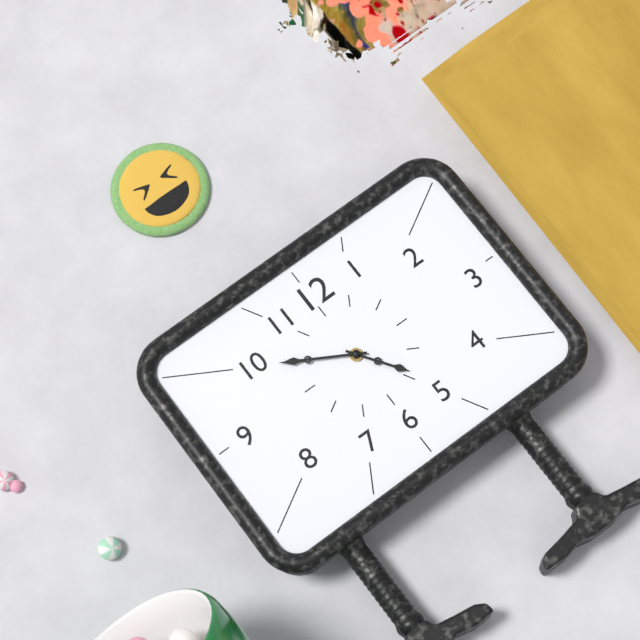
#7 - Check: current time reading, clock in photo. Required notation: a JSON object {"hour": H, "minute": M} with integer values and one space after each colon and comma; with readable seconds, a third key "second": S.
{"hour": 4, "minute": 50}
